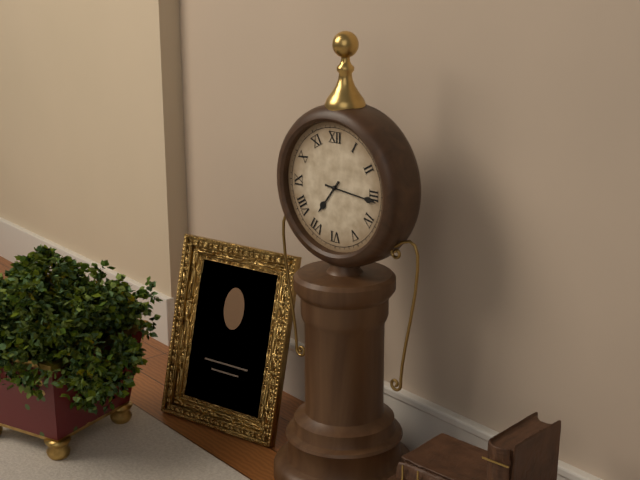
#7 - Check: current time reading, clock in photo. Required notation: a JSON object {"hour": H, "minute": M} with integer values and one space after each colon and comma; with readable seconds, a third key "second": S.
{"hour": 7, "minute": 16}
